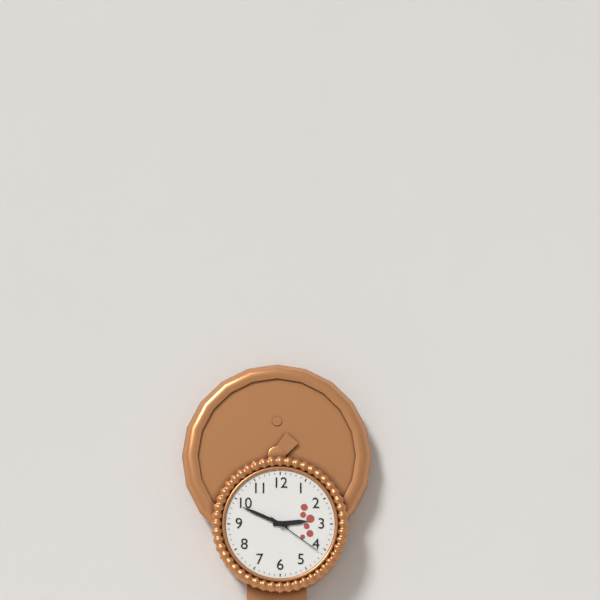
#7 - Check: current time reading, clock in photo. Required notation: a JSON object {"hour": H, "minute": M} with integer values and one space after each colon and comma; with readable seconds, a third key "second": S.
{"hour": 2, "minute": 49, "second": 21}
